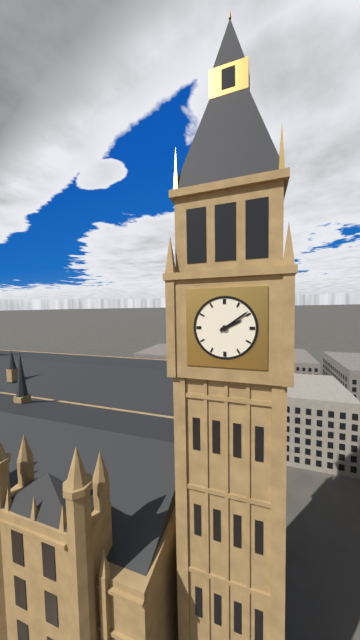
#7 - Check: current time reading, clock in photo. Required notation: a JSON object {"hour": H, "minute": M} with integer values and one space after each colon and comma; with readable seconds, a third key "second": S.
{"hour": 2, "minute": 9}
